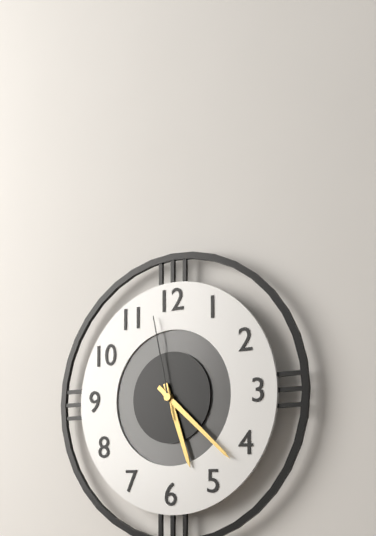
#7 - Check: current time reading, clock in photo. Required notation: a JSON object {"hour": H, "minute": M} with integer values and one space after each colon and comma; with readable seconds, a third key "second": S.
{"hour": 5, "minute": 22, "second": 58}
